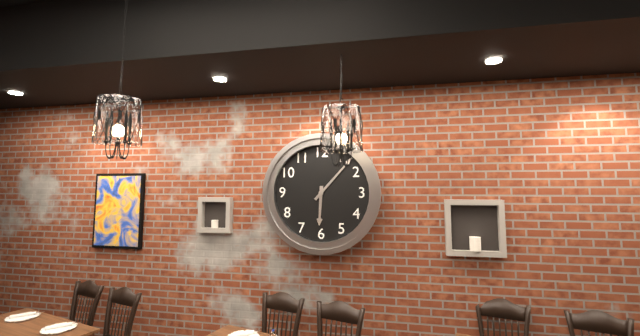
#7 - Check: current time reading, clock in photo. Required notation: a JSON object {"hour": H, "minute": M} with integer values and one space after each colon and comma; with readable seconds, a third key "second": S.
{"hour": 6, "minute": 7}
